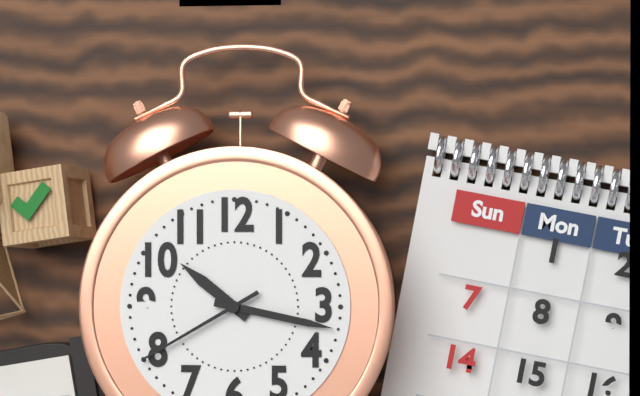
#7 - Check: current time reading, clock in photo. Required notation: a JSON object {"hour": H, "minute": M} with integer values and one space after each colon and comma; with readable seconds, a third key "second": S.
{"hour": 10, "minute": 17, "second": 40}
